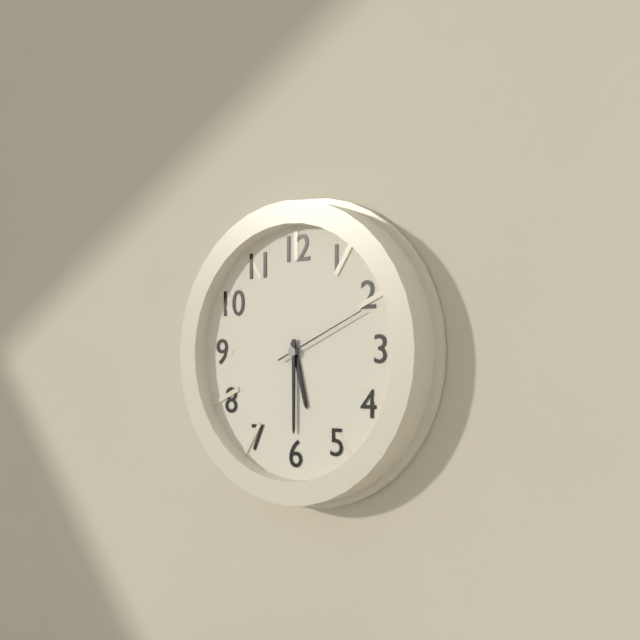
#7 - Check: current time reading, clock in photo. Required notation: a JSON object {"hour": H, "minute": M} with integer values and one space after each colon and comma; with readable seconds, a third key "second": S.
{"hour": 5, "minute": 30, "second": 11}
